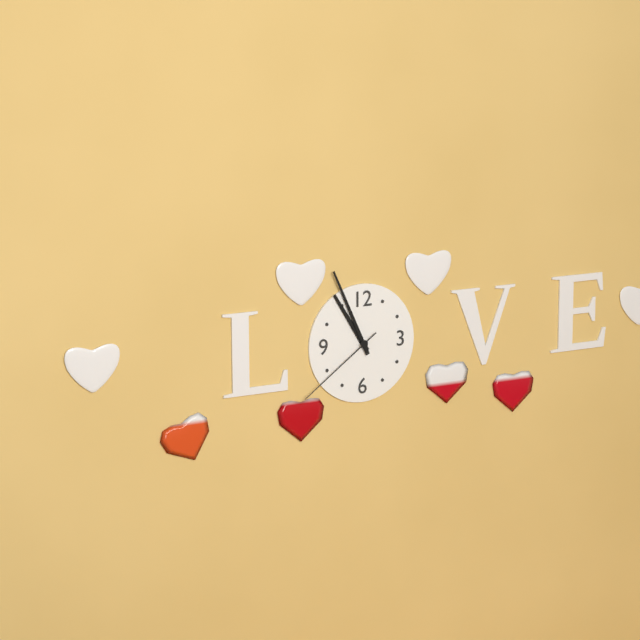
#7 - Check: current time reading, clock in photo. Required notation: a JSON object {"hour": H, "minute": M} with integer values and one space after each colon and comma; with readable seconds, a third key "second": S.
{"hour": 10, "minute": 56, "second": 39}
